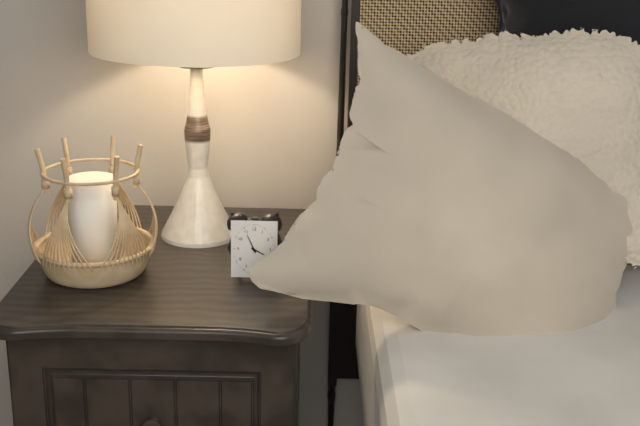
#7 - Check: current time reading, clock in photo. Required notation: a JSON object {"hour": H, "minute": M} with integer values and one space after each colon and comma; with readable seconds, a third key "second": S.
{"hour": 3, "minute": 56}
